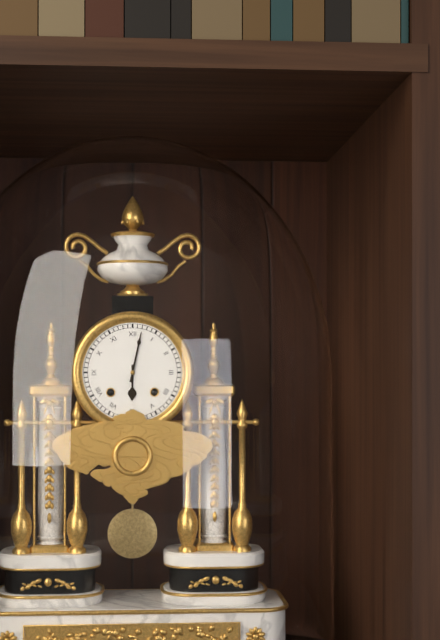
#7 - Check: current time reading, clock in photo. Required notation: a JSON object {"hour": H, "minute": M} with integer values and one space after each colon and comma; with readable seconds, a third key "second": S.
{"hour": 6, "minute": 2}
